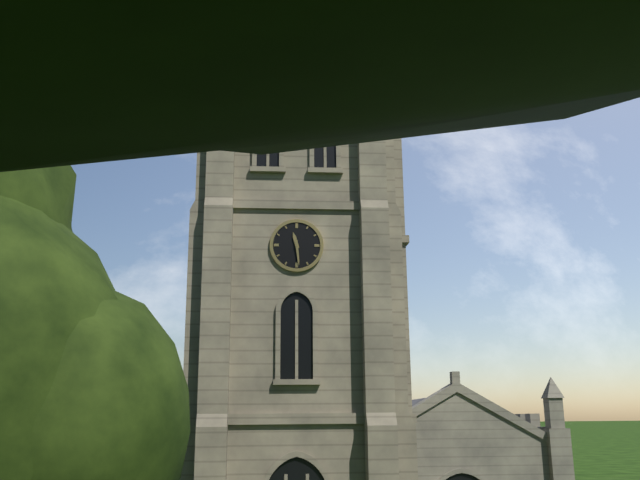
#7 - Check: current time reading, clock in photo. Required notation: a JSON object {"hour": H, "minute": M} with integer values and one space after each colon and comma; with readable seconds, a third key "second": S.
{"hour": 11, "minute": 29}
